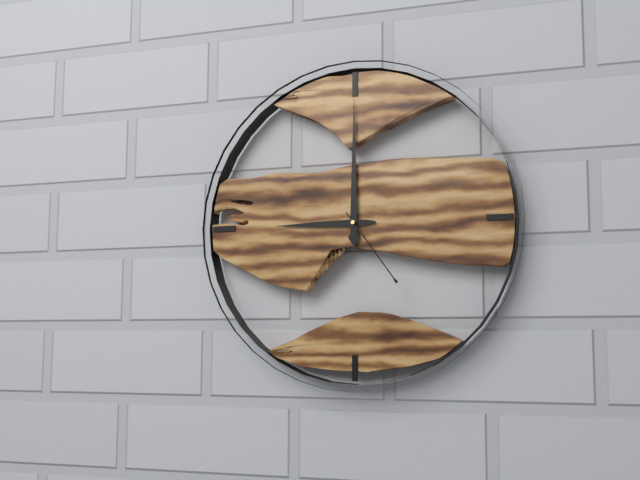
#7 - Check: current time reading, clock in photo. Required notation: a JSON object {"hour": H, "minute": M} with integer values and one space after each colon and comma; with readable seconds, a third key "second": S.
{"hour": 9, "minute": 0, "second": 24}
